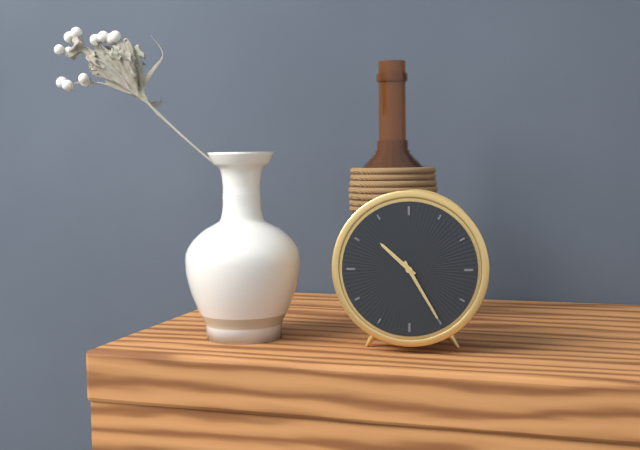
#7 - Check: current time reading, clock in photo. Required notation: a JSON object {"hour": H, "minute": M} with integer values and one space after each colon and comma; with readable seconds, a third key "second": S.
{"hour": 10, "minute": 25}
